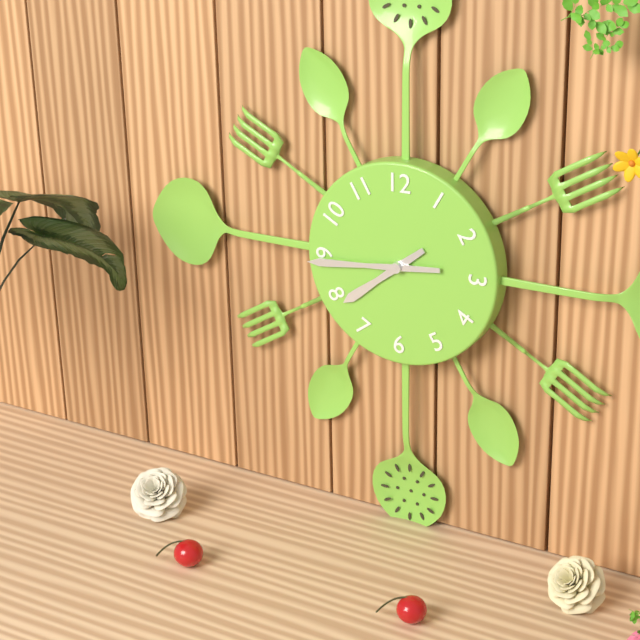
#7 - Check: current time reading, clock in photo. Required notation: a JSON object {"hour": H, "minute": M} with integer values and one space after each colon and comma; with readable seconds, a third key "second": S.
{"hour": 7, "minute": 44}
